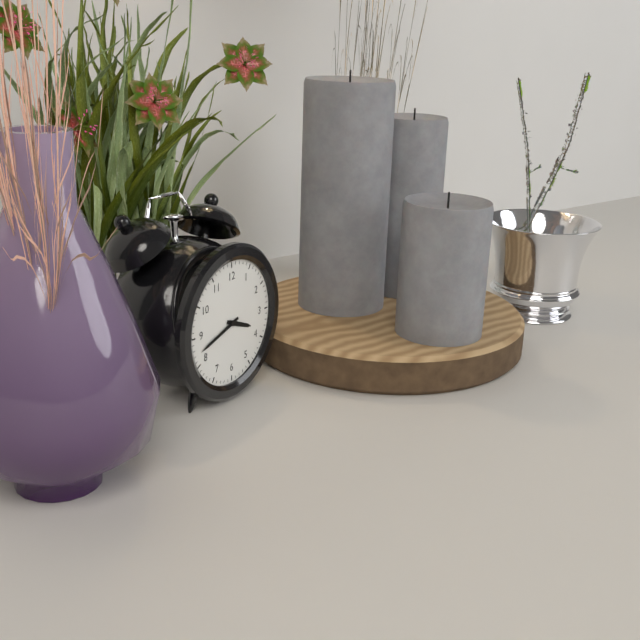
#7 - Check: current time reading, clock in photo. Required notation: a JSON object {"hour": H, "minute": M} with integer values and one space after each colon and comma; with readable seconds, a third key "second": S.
{"hour": 3, "minute": 42}
